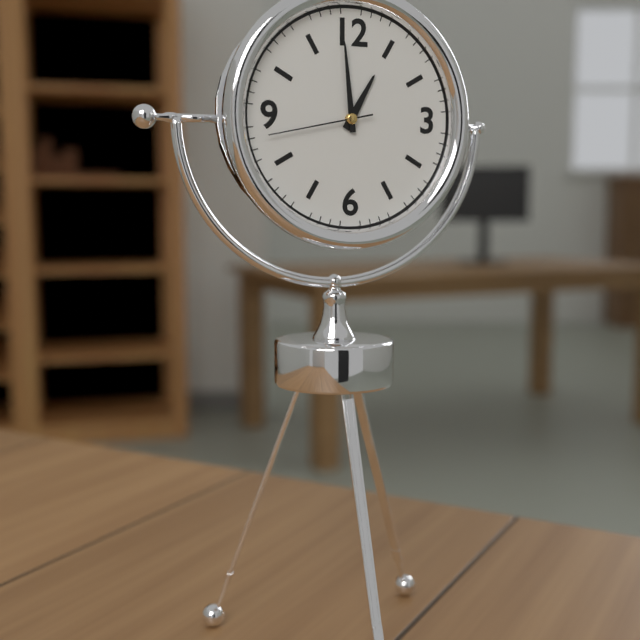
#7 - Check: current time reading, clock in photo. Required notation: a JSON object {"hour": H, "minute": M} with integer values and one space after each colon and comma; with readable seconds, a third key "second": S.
{"hour": 12, "minute": 59, "second": 43}
